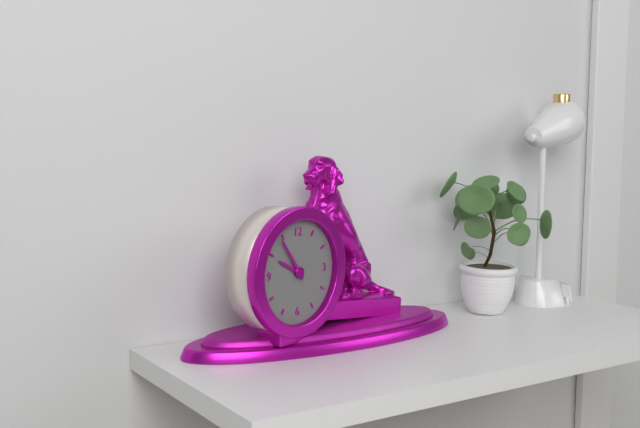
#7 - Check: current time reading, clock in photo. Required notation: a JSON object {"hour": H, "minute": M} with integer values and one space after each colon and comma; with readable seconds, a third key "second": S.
{"hour": 9, "minute": 54}
